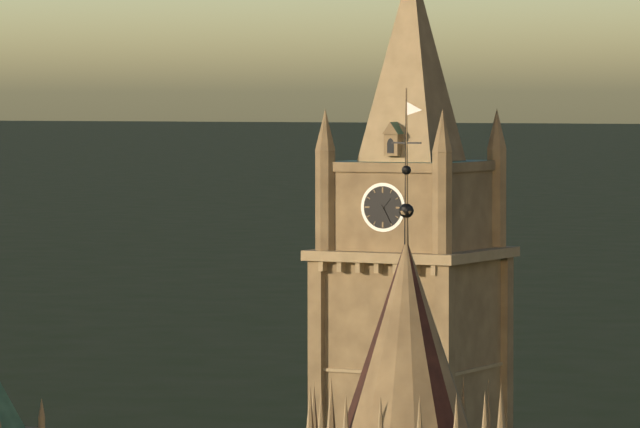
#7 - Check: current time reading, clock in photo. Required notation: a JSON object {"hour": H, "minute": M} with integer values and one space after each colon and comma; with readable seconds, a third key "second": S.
{"hour": 1, "minute": 25}
